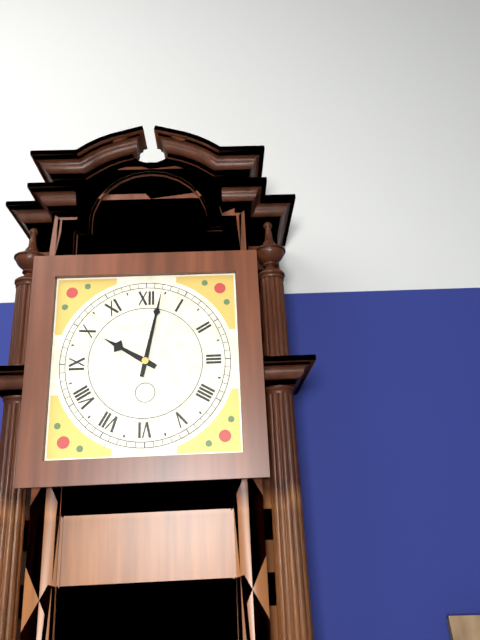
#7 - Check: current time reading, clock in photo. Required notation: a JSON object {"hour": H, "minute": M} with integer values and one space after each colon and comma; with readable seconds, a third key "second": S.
{"hour": 10, "minute": 2}
